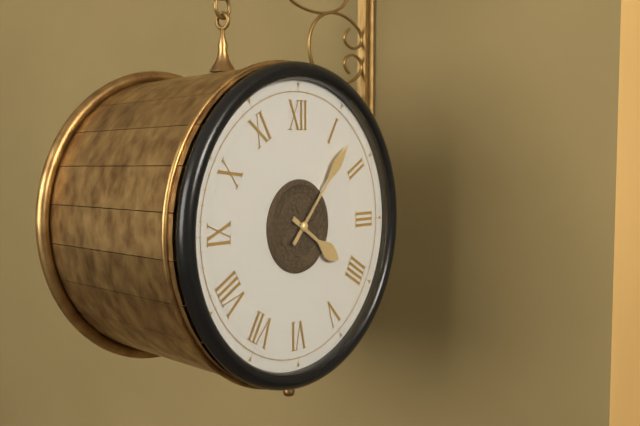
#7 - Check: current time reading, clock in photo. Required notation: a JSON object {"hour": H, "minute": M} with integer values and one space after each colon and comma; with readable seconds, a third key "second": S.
{"hour": 4, "minute": 7}
